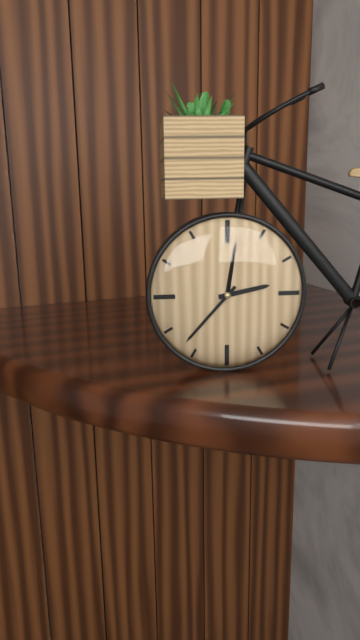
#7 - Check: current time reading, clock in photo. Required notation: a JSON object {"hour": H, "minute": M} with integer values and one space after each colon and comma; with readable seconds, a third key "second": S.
{"hour": 2, "minute": 37}
